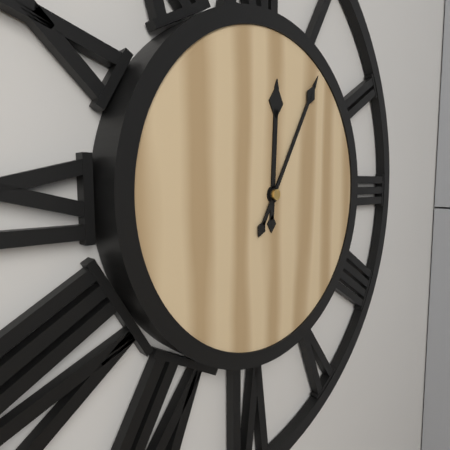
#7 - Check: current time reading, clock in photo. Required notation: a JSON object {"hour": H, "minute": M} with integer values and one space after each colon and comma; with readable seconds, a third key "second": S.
{"hour": 12, "minute": 5}
